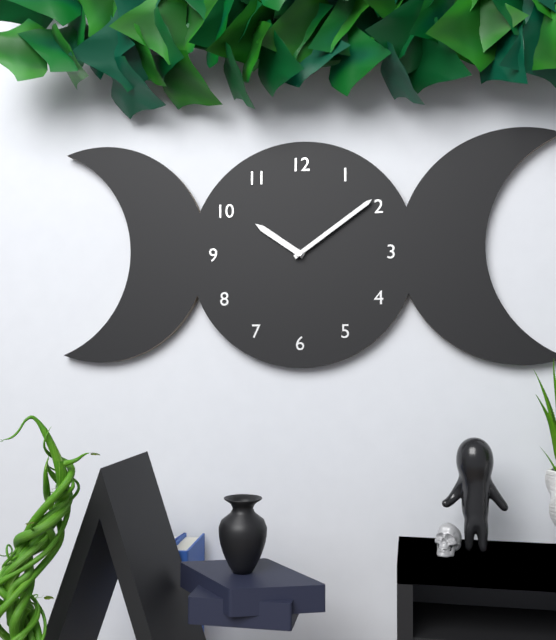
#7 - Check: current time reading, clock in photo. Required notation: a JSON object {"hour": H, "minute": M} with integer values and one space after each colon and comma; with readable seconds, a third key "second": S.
{"hour": 10, "minute": 9}
